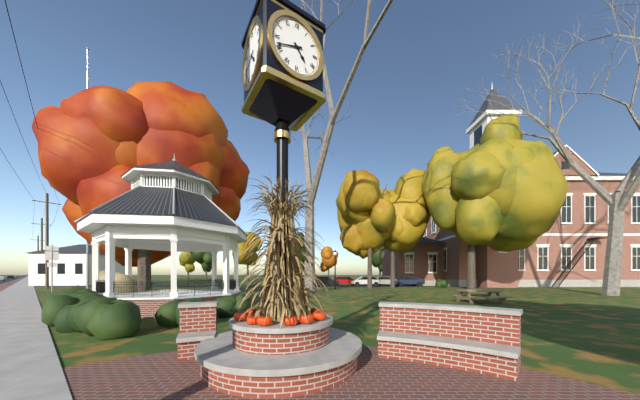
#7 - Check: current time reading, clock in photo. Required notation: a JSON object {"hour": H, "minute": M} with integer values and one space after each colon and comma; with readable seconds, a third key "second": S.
{"hour": 4, "minute": 42}
